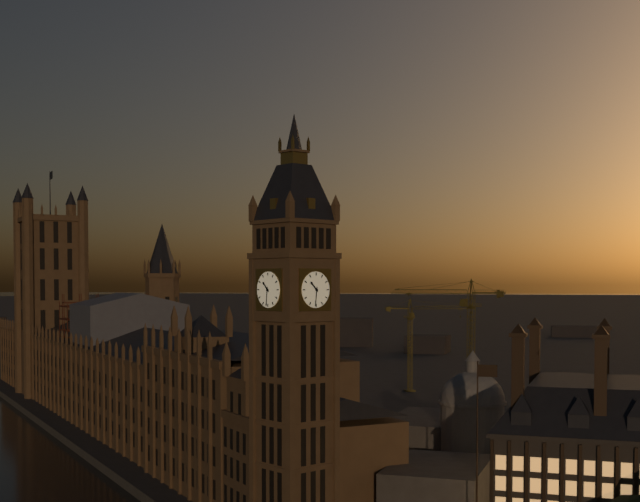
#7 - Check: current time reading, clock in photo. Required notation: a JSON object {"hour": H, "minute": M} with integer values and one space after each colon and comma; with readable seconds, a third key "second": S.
{"hour": 10, "minute": 31}
